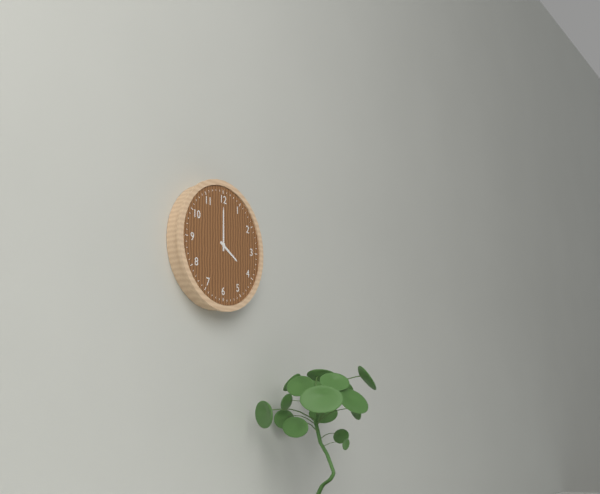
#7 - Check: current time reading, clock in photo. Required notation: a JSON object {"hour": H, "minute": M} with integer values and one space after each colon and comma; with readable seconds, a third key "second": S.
{"hour": 4, "minute": 0}
